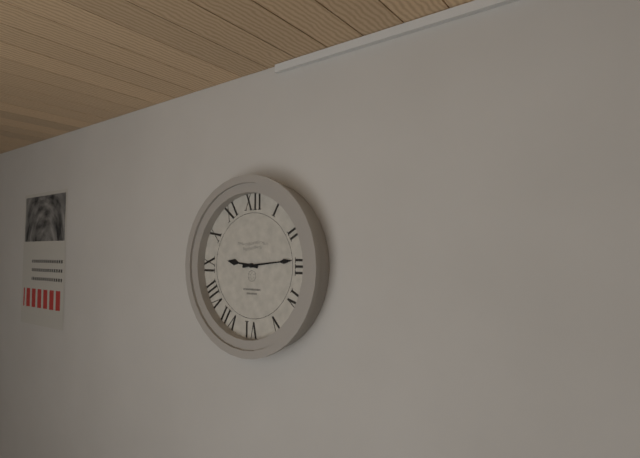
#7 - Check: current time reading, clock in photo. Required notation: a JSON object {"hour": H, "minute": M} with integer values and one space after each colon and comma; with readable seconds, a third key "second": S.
{"hour": 9, "minute": 14}
